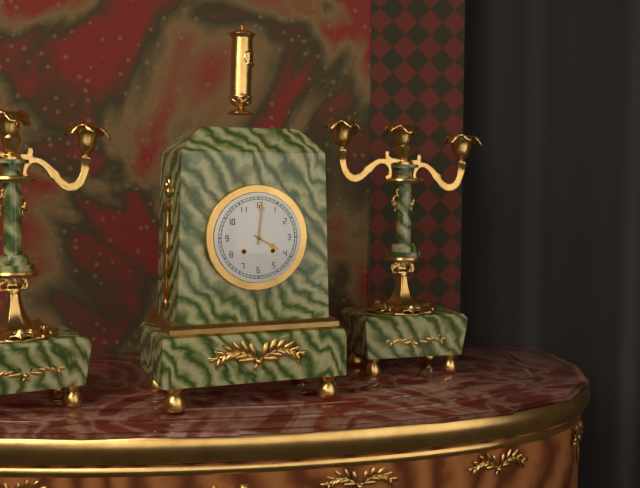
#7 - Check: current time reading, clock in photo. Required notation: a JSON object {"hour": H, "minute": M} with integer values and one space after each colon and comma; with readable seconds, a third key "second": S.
{"hour": 4, "minute": 1}
